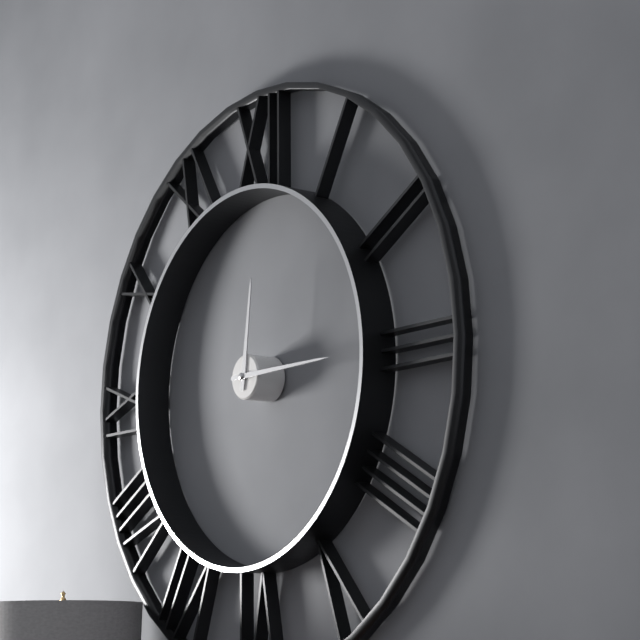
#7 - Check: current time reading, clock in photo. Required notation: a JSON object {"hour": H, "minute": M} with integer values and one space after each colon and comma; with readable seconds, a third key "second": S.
{"hour": 12, "minute": 15}
